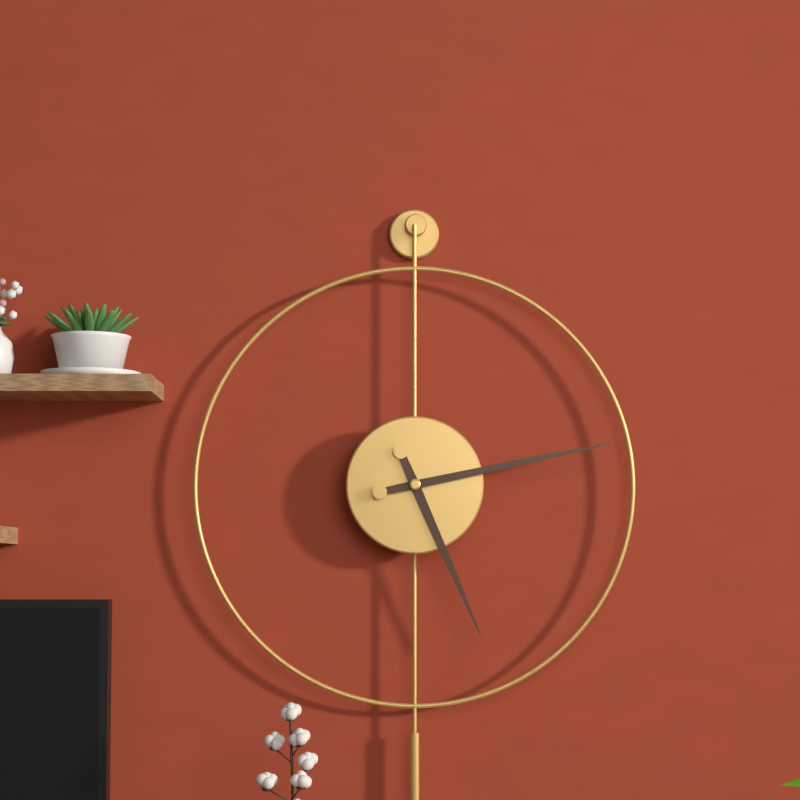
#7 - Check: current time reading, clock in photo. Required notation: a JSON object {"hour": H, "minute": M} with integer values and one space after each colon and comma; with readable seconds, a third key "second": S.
{"hour": 5, "minute": 13}
